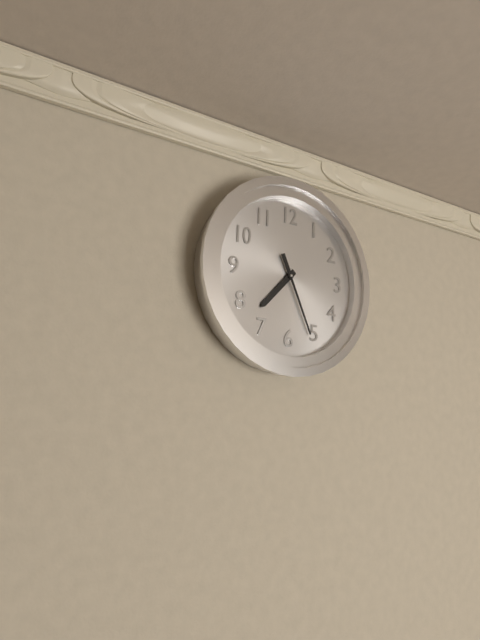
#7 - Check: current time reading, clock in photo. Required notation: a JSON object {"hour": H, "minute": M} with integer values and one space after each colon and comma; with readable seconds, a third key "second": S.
{"hour": 7, "minute": 26}
